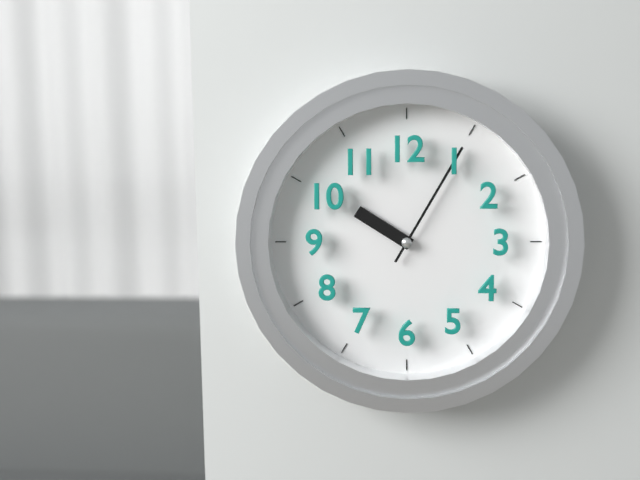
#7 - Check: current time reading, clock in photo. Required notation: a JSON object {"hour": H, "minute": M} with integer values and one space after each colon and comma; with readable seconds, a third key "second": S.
{"hour": 10, "minute": 5}
